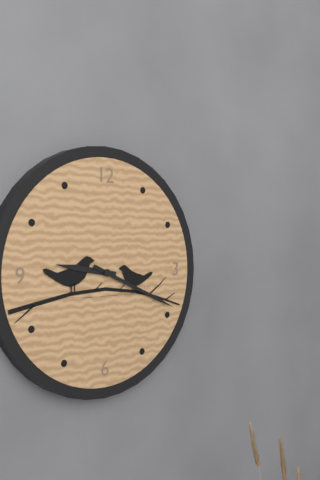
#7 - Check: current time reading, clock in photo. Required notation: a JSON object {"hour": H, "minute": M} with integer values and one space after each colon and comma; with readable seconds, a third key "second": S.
{"hour": 9, "minute": 19}
